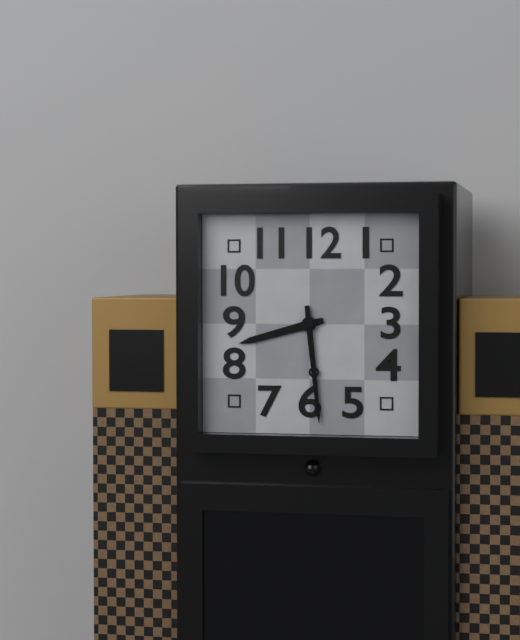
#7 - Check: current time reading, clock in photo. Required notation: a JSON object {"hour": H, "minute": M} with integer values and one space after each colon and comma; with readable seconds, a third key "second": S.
{"hour": 8, "minute": 29}
